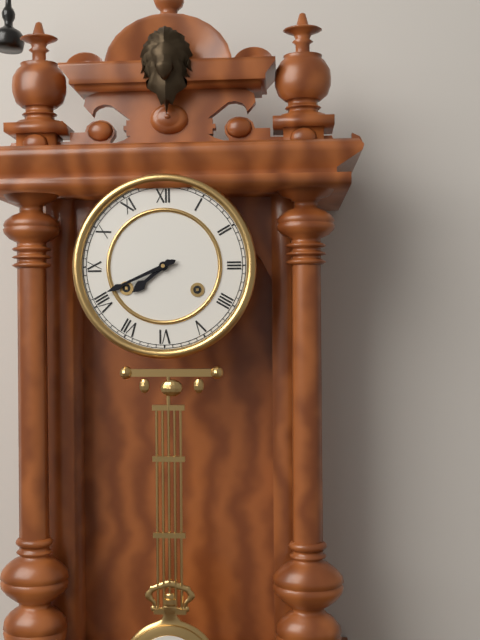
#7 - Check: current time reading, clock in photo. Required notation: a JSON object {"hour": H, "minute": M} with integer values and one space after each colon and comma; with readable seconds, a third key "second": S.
{"hour": 7, "minute": 41}
